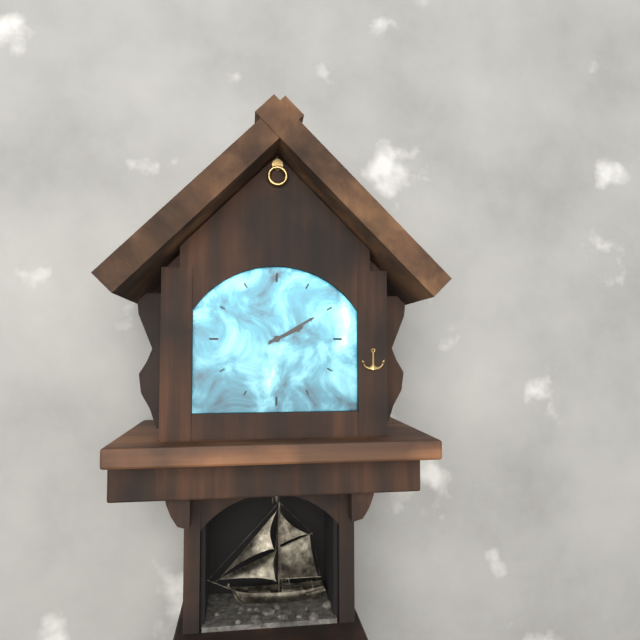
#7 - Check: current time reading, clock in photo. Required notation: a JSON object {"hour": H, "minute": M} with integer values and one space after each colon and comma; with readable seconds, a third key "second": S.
{"hour": 2, "minute": 10}
